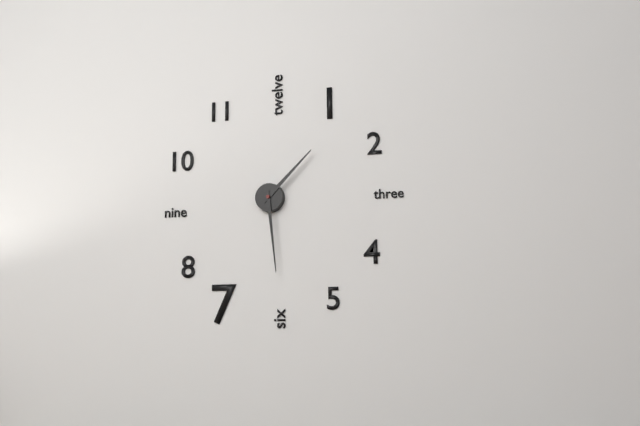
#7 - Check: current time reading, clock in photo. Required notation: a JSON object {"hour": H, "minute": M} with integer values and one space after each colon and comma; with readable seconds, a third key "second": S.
{"hour": 1, "minute": 29}
